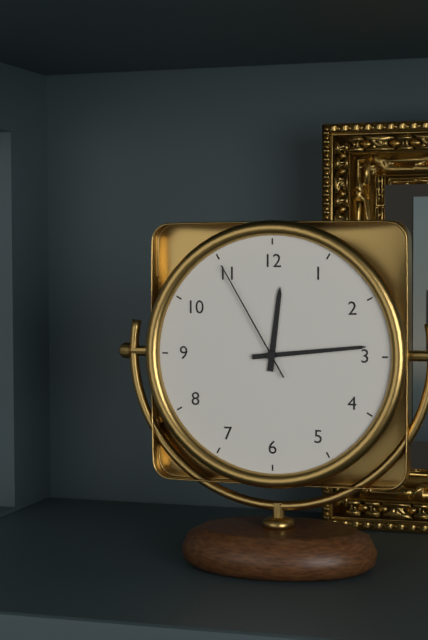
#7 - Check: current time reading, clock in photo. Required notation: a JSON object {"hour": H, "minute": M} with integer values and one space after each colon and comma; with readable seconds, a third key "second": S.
{"hour": 12, "minute": 14, "second": 55}
